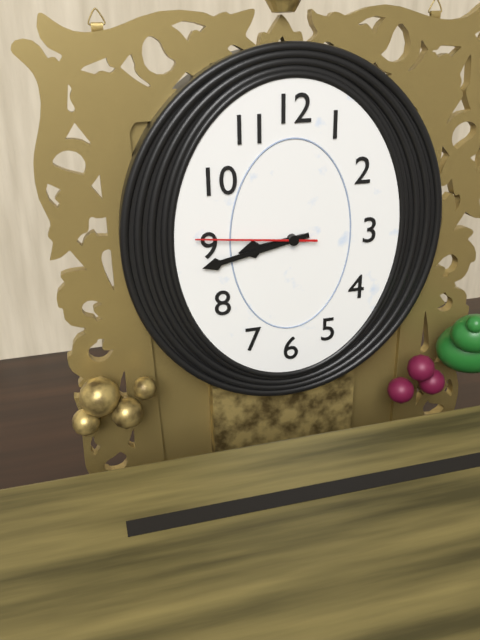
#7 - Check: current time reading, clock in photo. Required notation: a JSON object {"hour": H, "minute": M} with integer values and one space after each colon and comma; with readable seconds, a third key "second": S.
{"hour": 8, "minute": 43, "second": 46}
